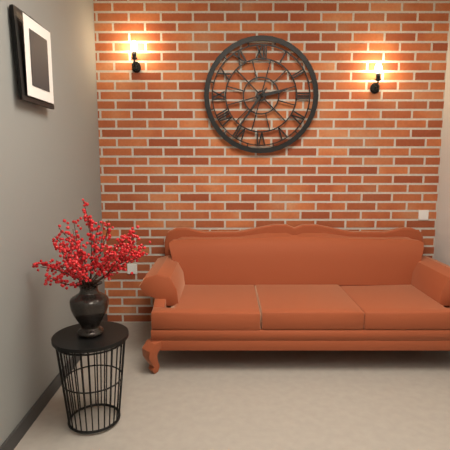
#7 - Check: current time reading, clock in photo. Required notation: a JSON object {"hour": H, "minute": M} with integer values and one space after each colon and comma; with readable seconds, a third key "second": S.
{"hour": 2, "minute": 36}
